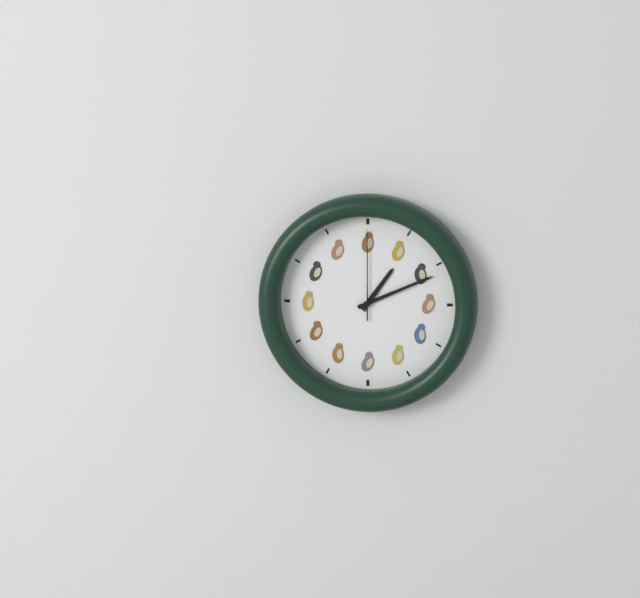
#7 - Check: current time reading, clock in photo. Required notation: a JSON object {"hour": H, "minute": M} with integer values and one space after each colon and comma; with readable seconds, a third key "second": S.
{"hour": 1, "minute": 11, "second": 0}
